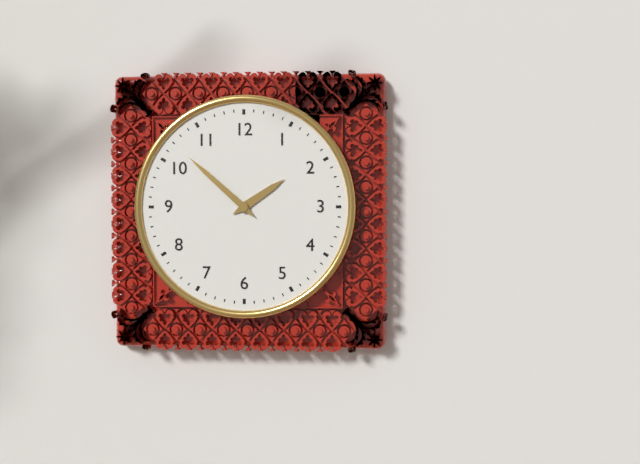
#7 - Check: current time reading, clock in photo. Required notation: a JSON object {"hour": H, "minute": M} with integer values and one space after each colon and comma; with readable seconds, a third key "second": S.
{"hour": 1, "minute": 52}
